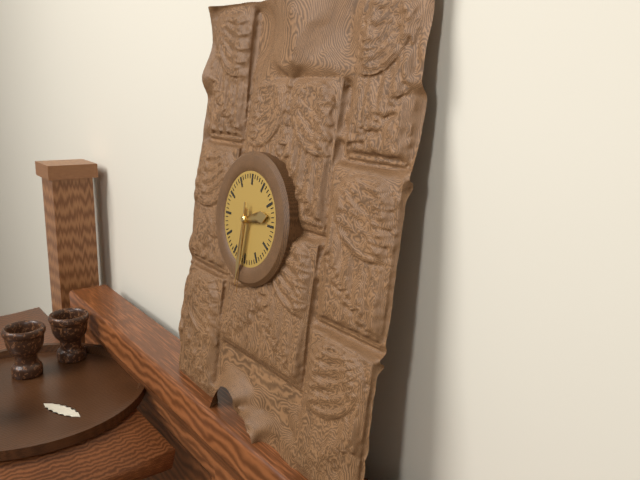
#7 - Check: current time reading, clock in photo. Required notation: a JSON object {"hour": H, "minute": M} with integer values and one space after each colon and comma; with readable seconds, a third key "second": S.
{"hour": 2, "minute": 31, "second": 30}
